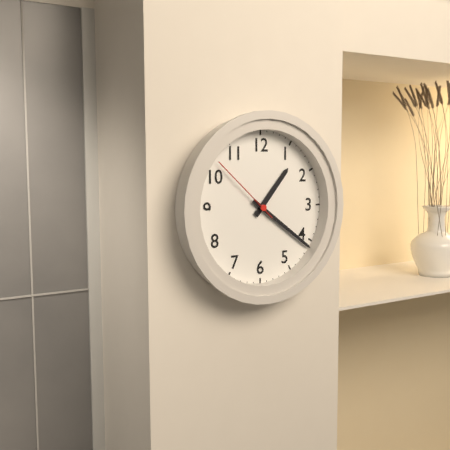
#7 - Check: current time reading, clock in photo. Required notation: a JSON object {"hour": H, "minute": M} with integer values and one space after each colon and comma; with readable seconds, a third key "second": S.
{"hour": 1, "minute": 21, "second": 52}
